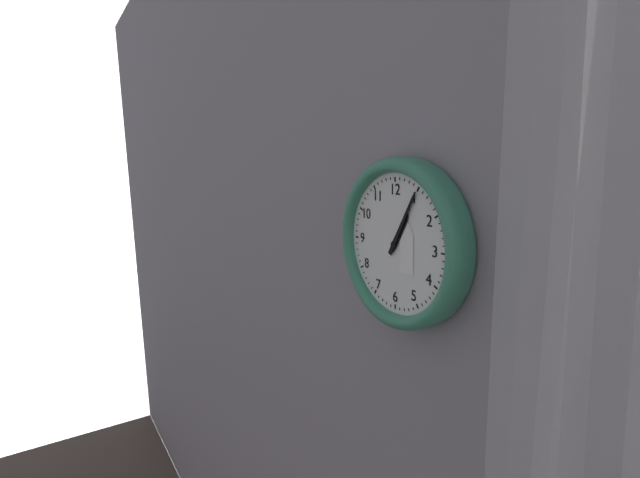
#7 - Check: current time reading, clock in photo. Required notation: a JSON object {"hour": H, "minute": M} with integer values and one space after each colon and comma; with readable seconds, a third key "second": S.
{"hour": 1, "minute": 5}
